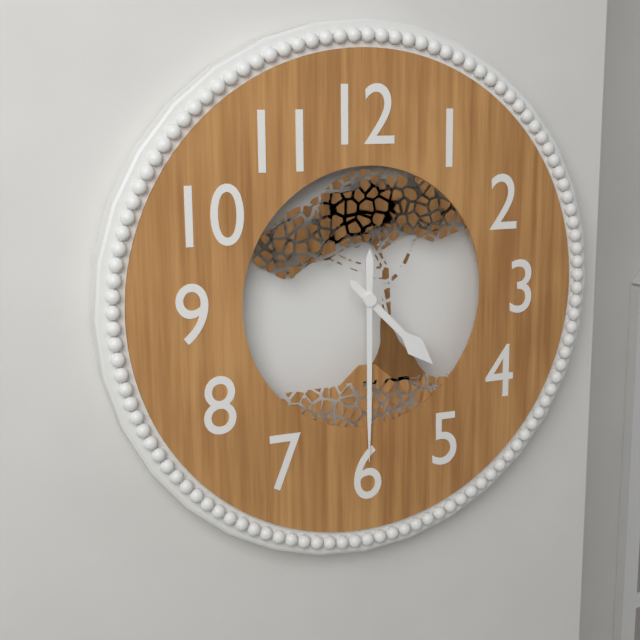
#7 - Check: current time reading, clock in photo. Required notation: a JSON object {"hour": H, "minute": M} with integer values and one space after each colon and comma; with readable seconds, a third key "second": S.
{"hour": 4, "minute": 30}
